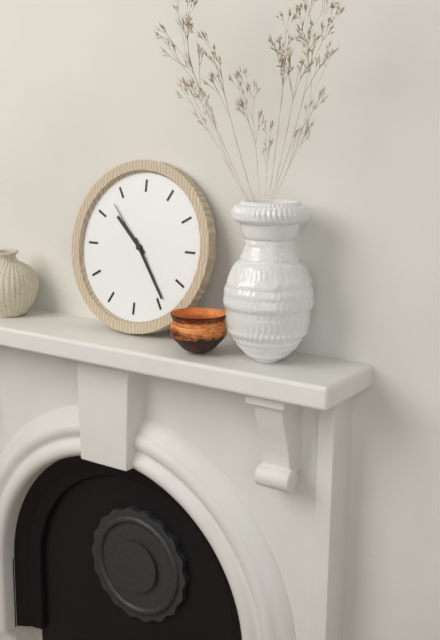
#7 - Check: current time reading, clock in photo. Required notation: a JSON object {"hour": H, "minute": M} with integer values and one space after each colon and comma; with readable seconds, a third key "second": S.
{"hour": 10, "minute": 24, "second": 53}
